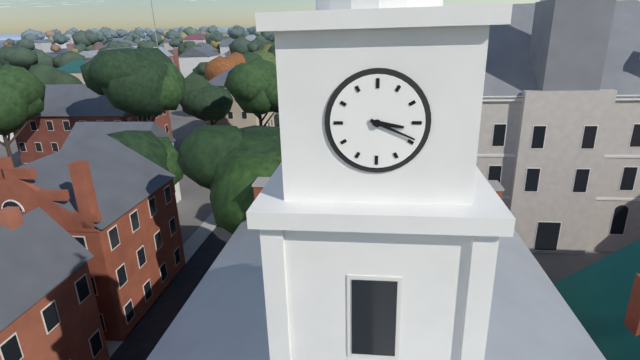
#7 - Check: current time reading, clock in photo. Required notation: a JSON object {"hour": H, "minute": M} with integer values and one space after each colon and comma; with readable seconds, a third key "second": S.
{"hour": 3, "minute": 19}
